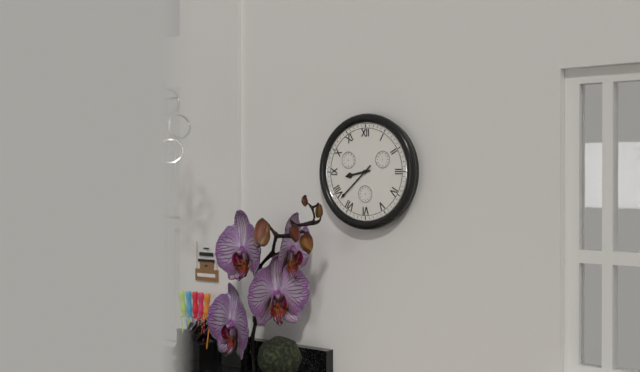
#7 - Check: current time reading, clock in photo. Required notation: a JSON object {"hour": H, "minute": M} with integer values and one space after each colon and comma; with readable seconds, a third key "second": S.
{"hour": 8, "minute": 38}
